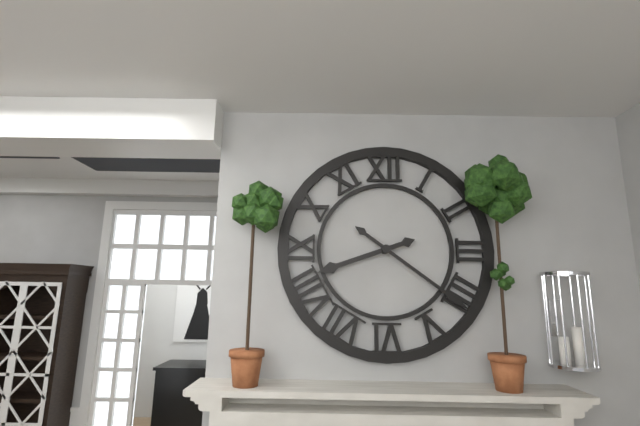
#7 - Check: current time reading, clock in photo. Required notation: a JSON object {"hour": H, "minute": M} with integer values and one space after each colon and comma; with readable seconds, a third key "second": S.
{"hour": 8, "minute": 21}
